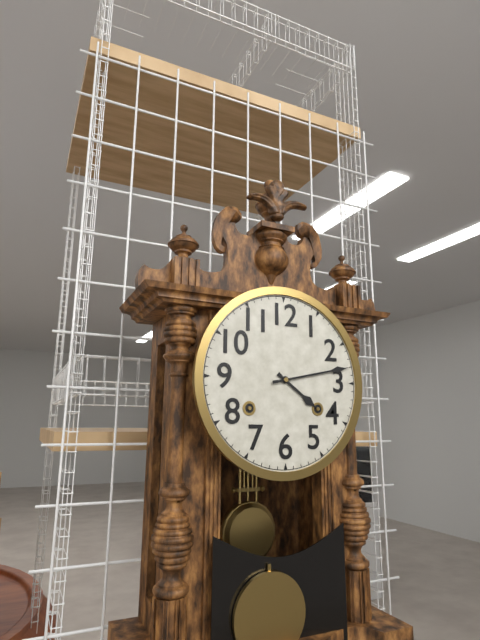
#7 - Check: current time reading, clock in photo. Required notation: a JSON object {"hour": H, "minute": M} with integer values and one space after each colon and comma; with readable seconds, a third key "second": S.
{"hour": 4, "minute": 13}
